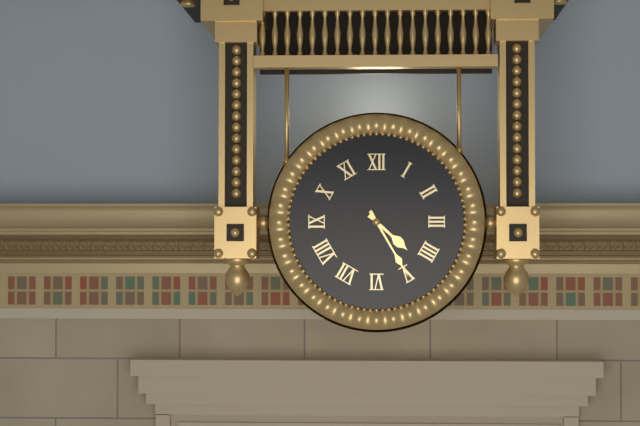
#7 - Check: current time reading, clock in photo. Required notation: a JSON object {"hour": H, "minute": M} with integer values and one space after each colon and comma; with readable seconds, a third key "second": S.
{"hour": 4, "minute": 25}
